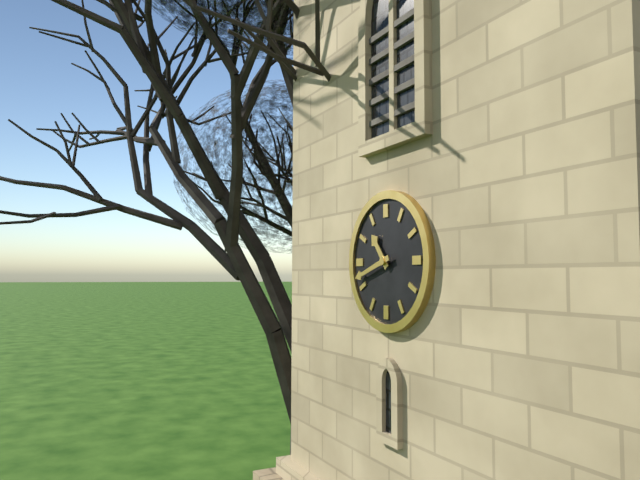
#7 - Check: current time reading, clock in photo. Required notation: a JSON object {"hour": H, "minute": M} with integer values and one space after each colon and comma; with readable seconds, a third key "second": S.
{"hour": 10, "minute": 42}
